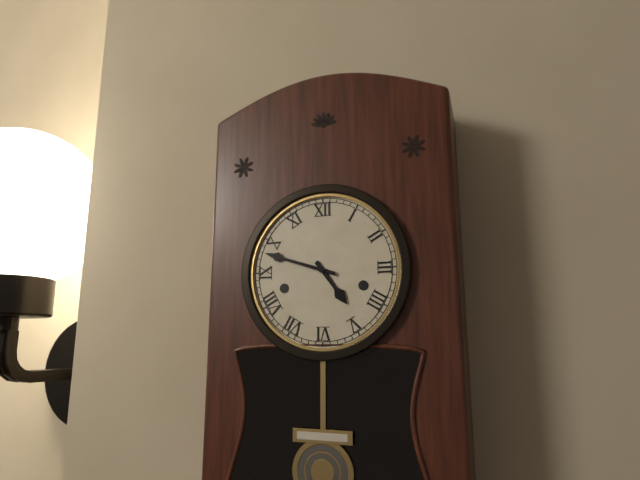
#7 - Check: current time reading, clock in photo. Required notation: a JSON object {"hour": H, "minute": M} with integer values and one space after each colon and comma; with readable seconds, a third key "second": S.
{"hour": 4, "minute": 48}
